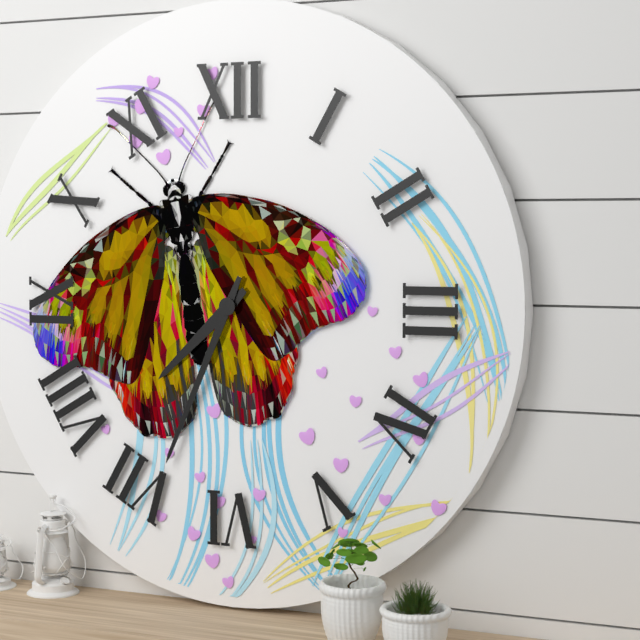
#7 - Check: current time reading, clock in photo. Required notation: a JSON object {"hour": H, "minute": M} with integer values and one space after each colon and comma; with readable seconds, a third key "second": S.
{"hour": 7, "minute": 34}
